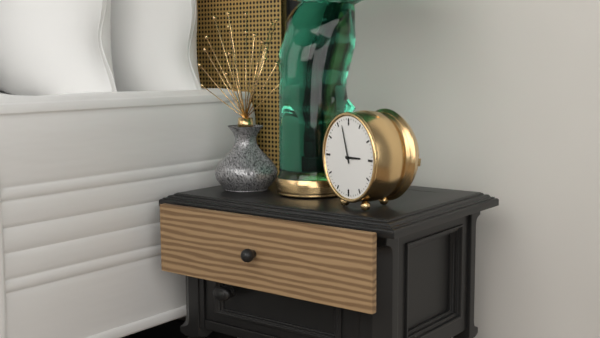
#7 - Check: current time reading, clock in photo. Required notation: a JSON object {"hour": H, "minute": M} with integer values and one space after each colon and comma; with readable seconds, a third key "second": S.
{"hour": 2, "minute": 57}
